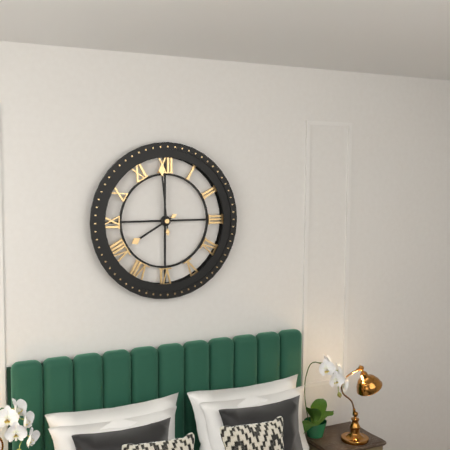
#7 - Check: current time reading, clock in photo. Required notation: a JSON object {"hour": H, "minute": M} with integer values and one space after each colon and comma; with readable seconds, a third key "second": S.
{"hour": 7, "minute": 59}
